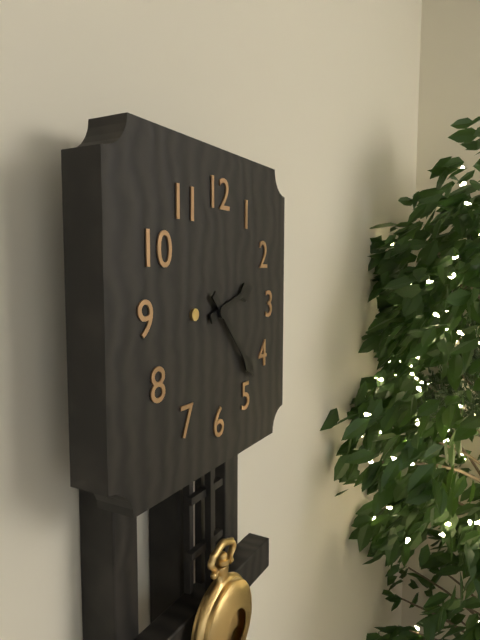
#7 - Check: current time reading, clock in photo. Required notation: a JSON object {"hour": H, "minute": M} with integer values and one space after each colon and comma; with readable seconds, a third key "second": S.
{"hour": 2, "minute": 23}
